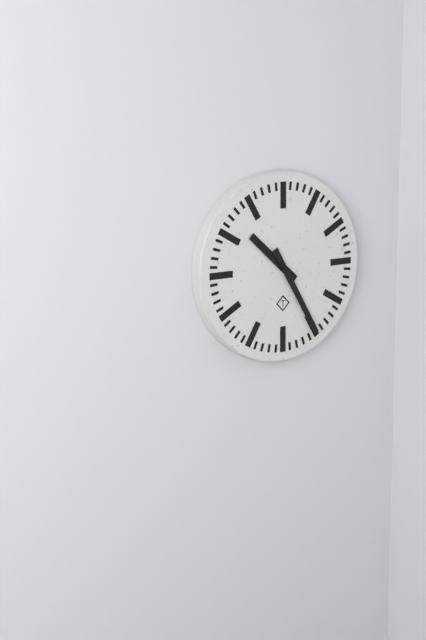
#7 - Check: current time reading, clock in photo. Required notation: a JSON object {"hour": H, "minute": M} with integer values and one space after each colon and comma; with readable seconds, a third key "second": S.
{"hour": 10, "minute": 25}
